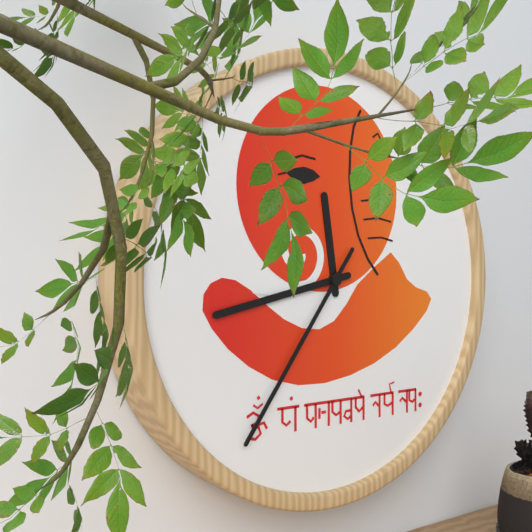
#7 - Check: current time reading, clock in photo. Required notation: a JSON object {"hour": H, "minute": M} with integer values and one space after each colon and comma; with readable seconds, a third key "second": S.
{"hour": 11, "minute": 43, "second": 36}
